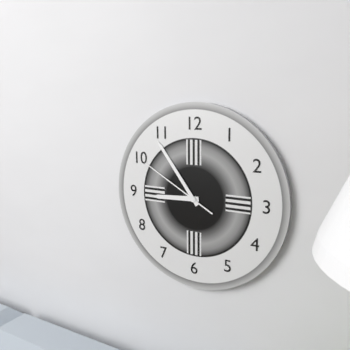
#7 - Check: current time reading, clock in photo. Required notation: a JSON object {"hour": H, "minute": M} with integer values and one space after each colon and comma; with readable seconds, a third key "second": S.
{"hour": 8, "minute": 54, "second": 50}
